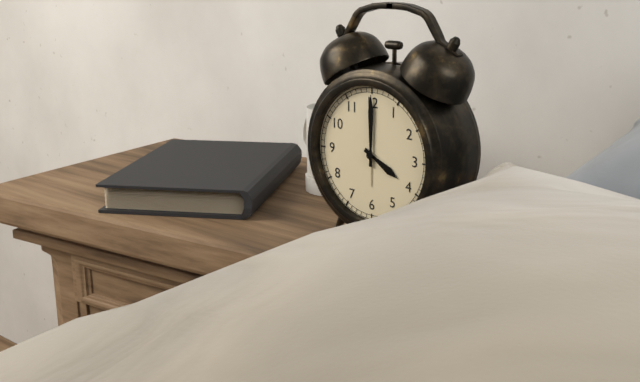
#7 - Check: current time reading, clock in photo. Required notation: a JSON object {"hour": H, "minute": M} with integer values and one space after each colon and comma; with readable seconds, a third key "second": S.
{"hour": 4, "minute": 0}
